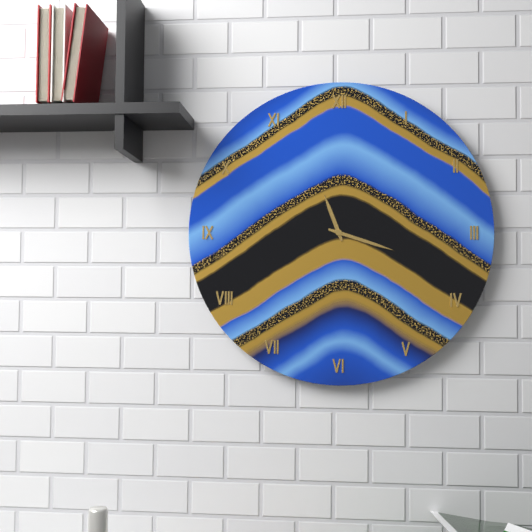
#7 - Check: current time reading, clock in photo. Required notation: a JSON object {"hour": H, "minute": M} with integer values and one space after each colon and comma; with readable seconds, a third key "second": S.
{"hour": 11, "minute": 18}
